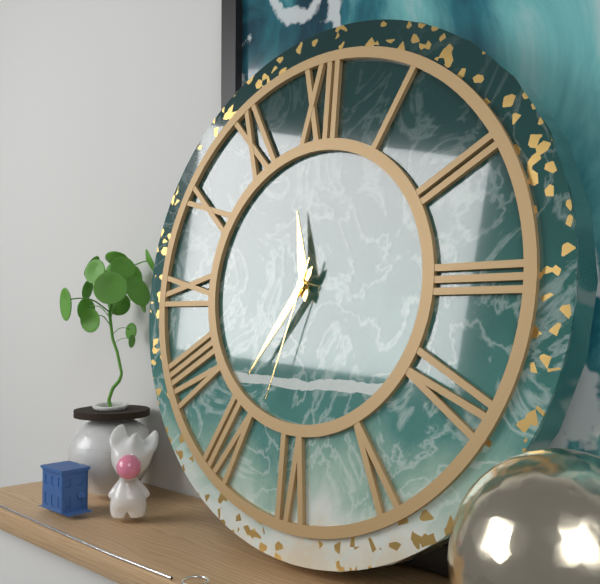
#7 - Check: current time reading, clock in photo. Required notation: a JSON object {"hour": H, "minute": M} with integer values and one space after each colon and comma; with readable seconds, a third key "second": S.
{"hour": 11, "minute": 36, "second": 33}
